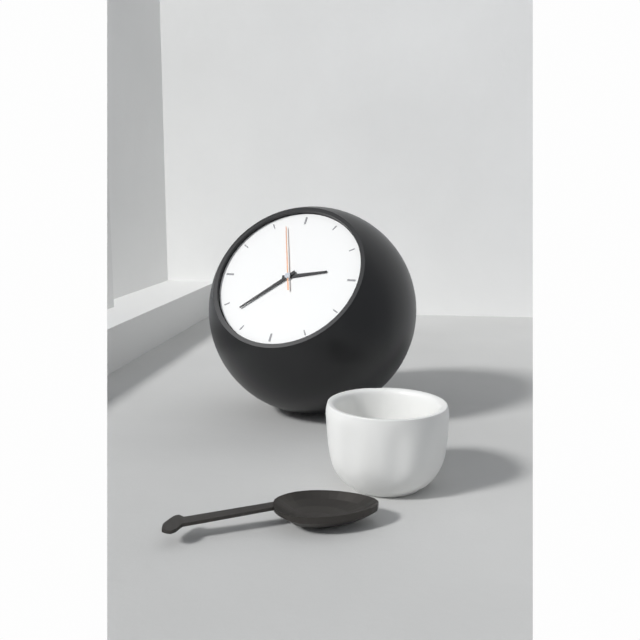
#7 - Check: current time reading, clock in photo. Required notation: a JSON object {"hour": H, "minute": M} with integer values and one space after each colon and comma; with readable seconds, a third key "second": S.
{"hour": 2, "minute": 38, "second": 57}
